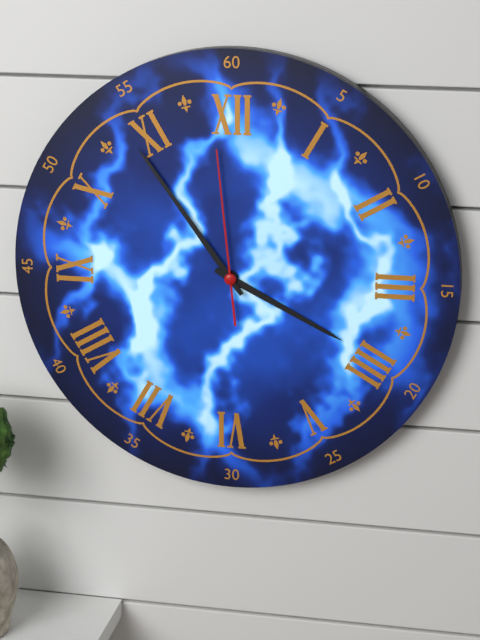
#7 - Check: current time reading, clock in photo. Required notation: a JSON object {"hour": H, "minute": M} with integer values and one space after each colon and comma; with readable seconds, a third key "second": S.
{"hour": 3, "minute": 54, "second": 59}
